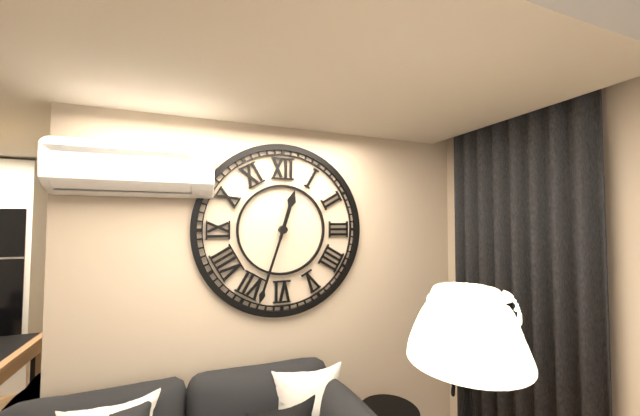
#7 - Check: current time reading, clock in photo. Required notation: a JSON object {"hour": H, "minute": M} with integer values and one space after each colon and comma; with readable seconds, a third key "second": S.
{"hour": 12, "minute": 33}
